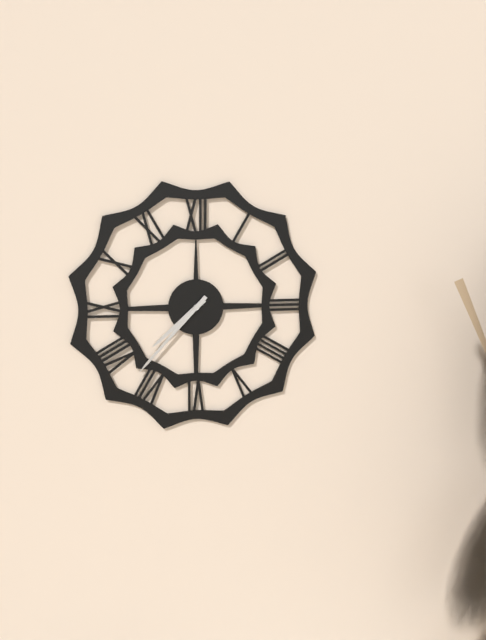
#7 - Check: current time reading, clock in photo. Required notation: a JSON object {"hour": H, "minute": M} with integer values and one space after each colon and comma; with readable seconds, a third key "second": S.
{"hour": 7, "minute": 37}
